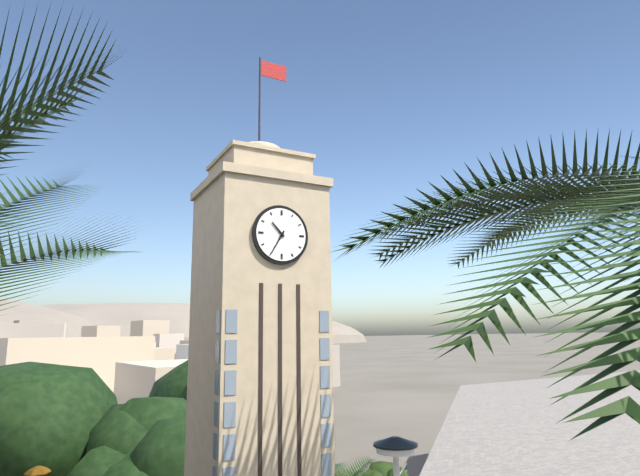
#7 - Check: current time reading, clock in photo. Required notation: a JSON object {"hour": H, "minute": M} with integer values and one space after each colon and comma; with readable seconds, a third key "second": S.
{"hour": 10, "minute": 35}
